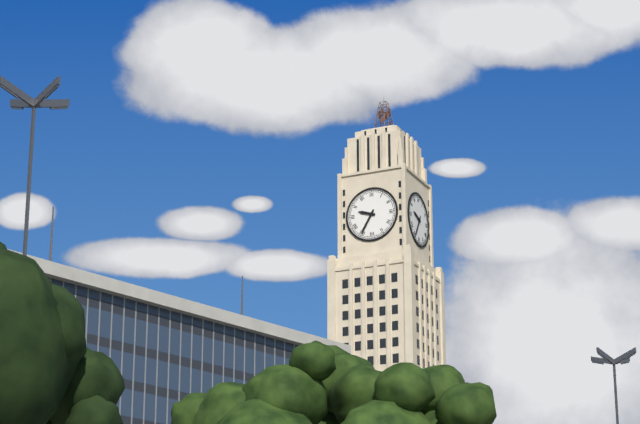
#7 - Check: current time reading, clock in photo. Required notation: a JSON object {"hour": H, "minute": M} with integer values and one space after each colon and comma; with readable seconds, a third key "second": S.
{"hour": 9, "minute": 35}
